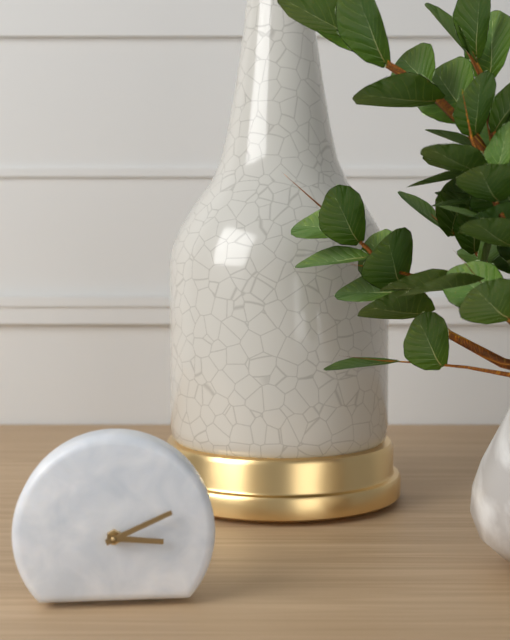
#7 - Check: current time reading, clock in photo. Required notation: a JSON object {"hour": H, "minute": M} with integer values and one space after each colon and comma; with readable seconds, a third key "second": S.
{"hour": 3, "minute": 11}
